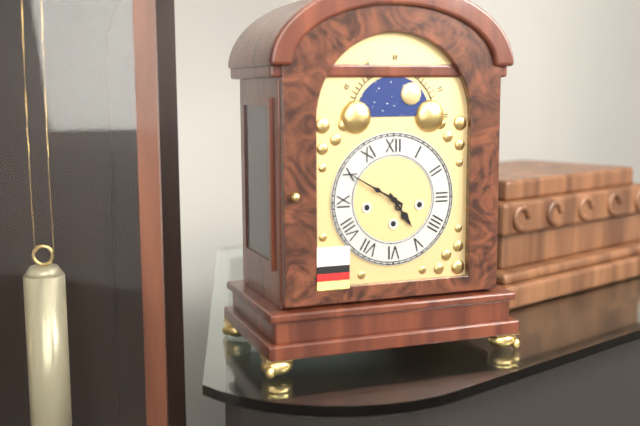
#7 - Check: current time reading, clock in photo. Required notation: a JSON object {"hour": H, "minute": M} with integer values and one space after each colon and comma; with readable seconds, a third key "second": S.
{"hour": 4, "minute": 50}
